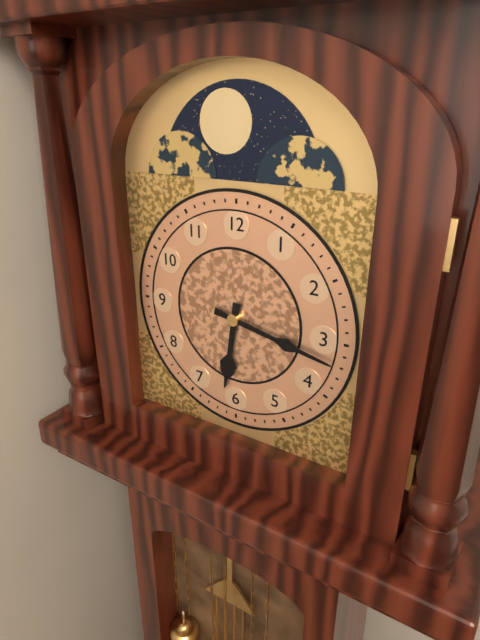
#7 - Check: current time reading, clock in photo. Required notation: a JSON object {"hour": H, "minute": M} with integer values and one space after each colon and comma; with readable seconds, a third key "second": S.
{"hour": 6, "minute": 17}
